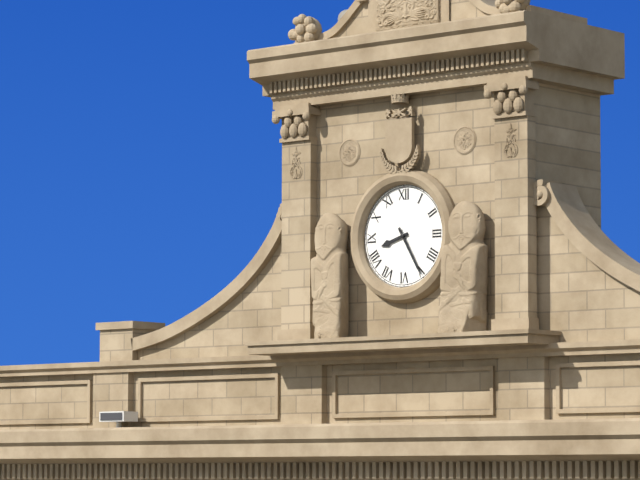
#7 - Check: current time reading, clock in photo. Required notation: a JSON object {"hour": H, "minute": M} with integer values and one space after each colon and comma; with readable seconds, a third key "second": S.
{"hour": 8, "minute": 25}
